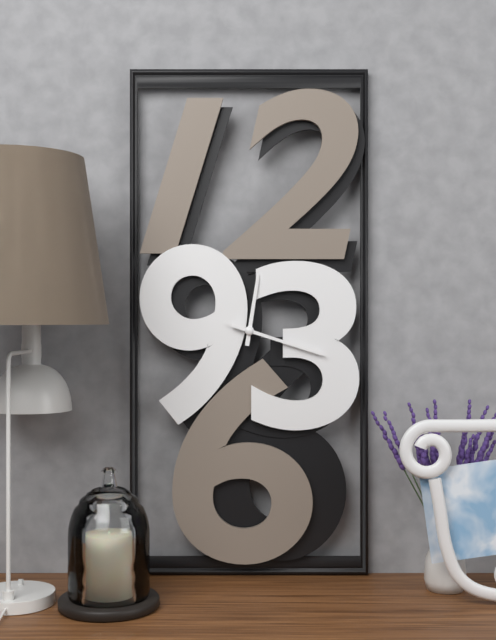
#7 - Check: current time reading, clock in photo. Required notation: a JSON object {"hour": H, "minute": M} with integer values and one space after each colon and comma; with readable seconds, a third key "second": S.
{"hour": 12, "minute": 18}
